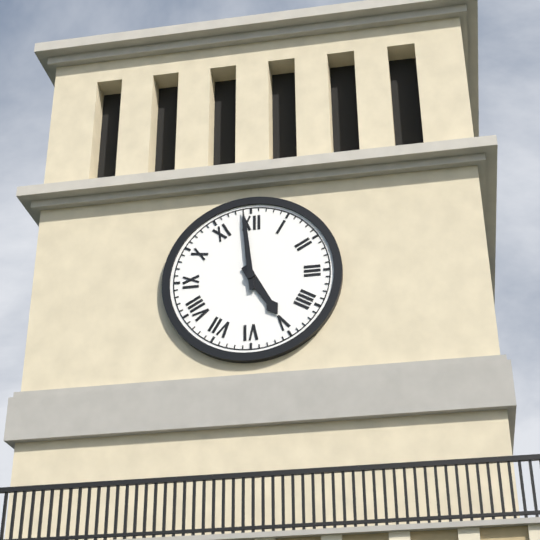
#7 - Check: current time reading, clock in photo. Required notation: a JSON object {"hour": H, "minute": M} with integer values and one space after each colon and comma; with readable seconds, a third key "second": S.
{"hour": 4, "minute": 59}
